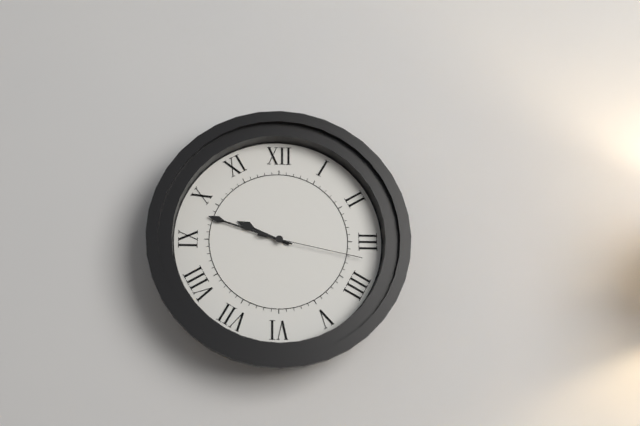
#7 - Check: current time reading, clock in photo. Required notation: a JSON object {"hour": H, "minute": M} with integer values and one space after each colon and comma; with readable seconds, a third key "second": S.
{"hour": 9, "minute": 48, "second": 17}
